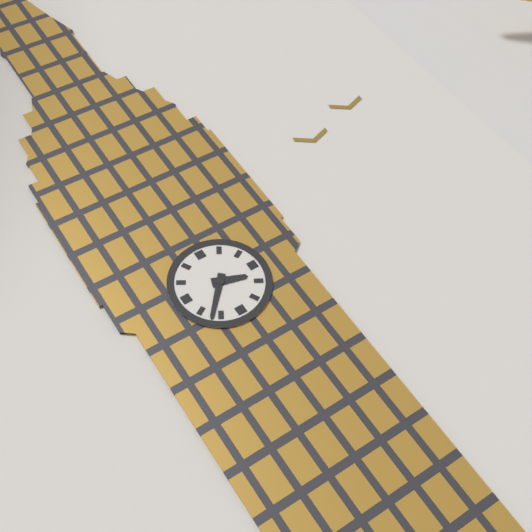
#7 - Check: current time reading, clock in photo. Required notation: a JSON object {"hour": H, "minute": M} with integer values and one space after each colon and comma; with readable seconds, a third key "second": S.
{"hour": 3, "minute": 37}
